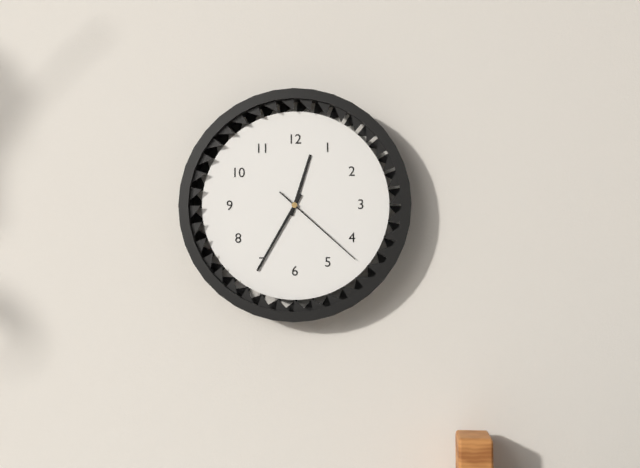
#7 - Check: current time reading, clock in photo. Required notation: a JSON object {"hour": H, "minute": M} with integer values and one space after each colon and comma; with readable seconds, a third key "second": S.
{"hour": 12, "minute": 35, "second": 22}
